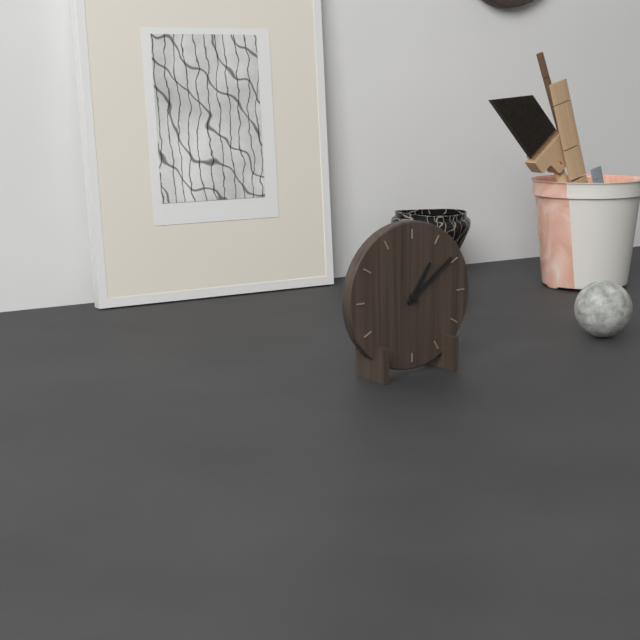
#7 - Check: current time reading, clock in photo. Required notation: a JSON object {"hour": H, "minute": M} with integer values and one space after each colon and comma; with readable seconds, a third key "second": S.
{"hour": 1, "minute": 9}
